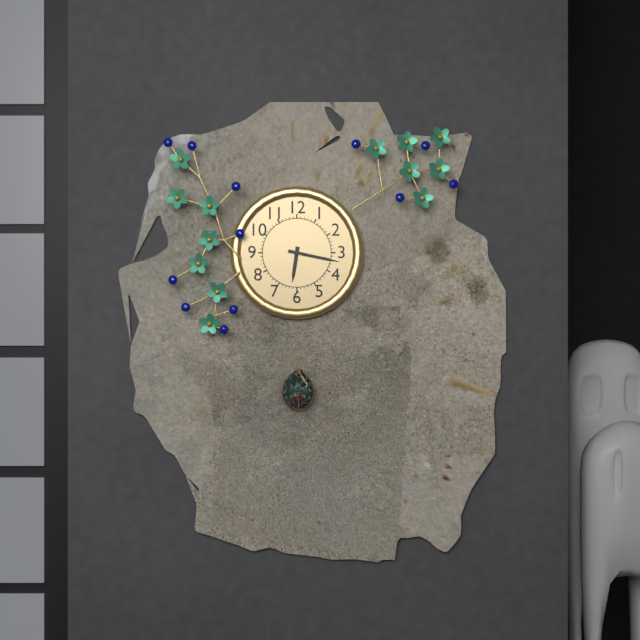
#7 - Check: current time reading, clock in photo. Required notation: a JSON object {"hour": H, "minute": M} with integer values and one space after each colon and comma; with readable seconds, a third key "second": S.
{"hour": 6, "minute": 17}
